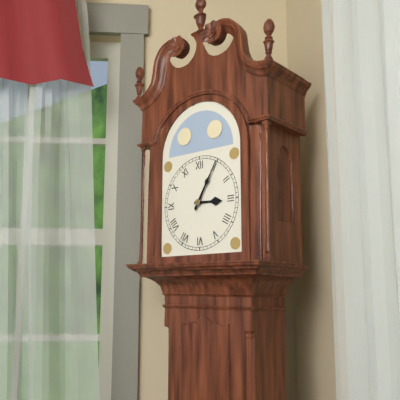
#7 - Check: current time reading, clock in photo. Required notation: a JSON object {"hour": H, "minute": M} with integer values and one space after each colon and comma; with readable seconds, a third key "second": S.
{"hour": 3, "minute": 5}
